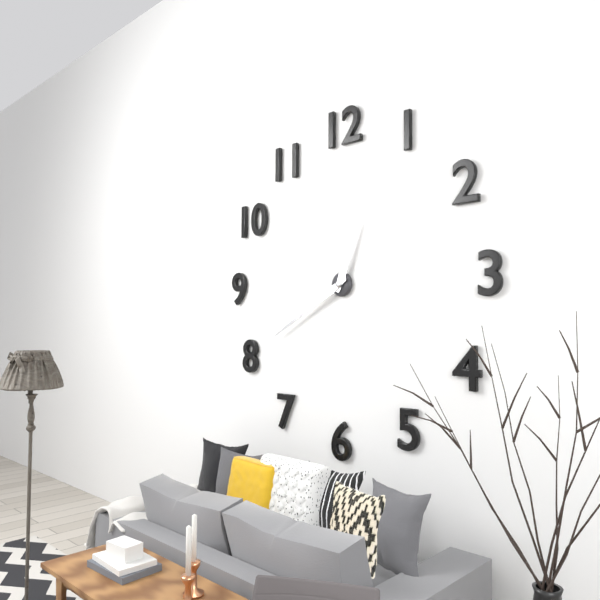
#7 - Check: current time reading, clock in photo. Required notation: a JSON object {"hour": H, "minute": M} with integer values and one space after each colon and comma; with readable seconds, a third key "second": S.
{"hour": 12, "minute": 40}
